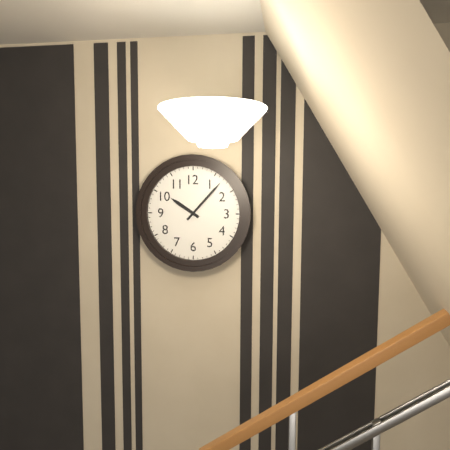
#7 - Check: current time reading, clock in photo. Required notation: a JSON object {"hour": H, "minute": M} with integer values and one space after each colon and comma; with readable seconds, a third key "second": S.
{"hour": 10, "minute": 7}
